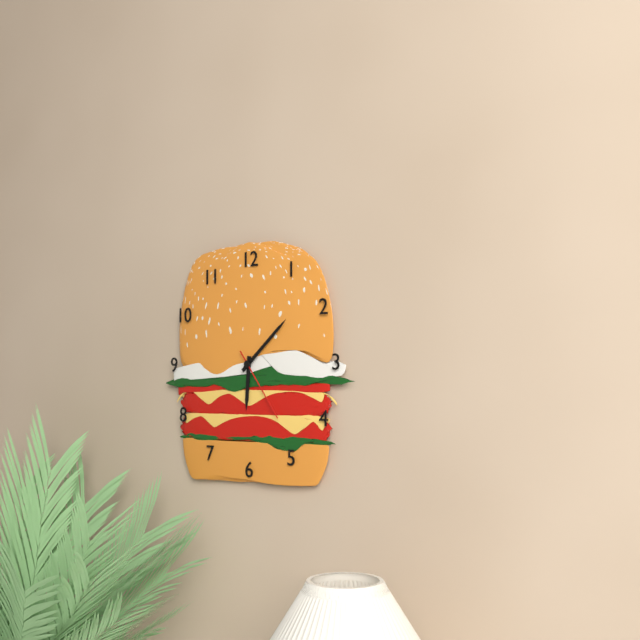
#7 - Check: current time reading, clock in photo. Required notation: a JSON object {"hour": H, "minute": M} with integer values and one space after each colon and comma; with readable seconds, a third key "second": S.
{"hour": 6, "minute": 8, "second": 24}
